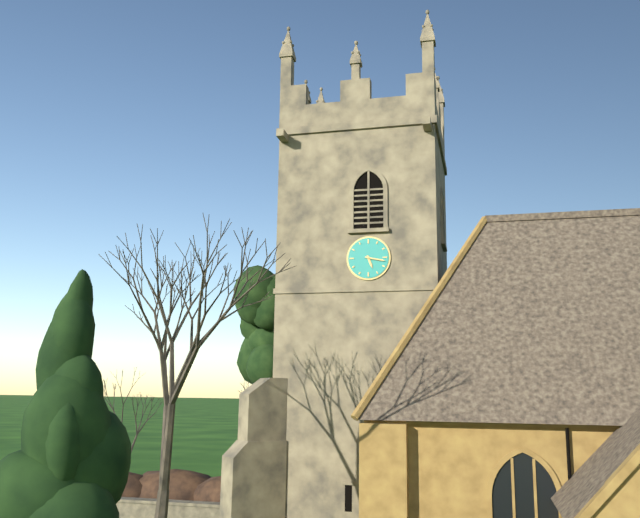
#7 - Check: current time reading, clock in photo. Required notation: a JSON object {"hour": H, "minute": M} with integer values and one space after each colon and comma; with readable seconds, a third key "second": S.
{"hour": 5, "minute": 17}
